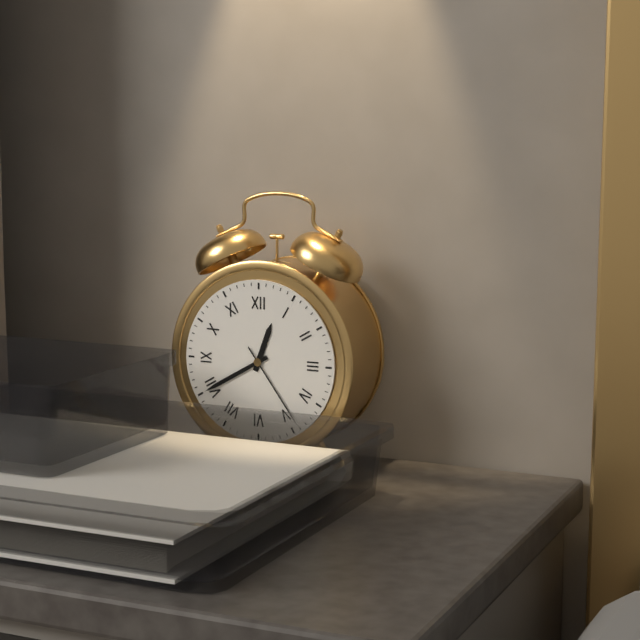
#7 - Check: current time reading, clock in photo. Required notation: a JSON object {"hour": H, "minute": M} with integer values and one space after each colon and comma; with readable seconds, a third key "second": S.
{"hour": 12, "minute": 40, "second": 24}
